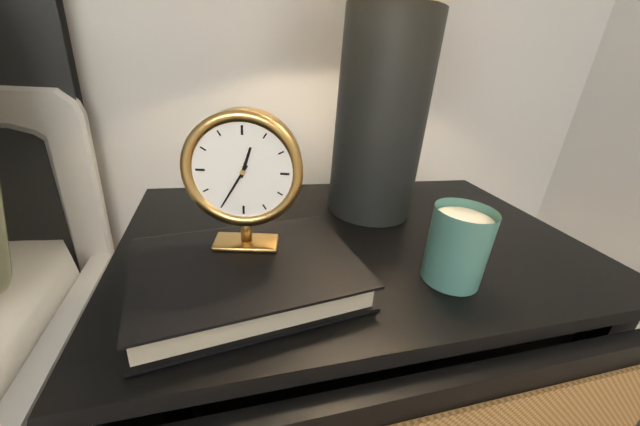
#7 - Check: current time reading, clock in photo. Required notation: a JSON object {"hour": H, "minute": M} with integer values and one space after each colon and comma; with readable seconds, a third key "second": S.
{"hour": 12, "minute": 35}
